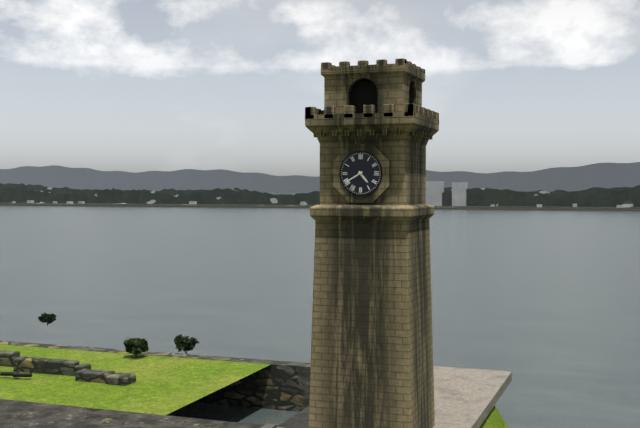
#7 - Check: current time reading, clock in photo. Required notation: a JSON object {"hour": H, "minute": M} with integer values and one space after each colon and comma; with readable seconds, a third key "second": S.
{"hour": 4, "minute": 40}
